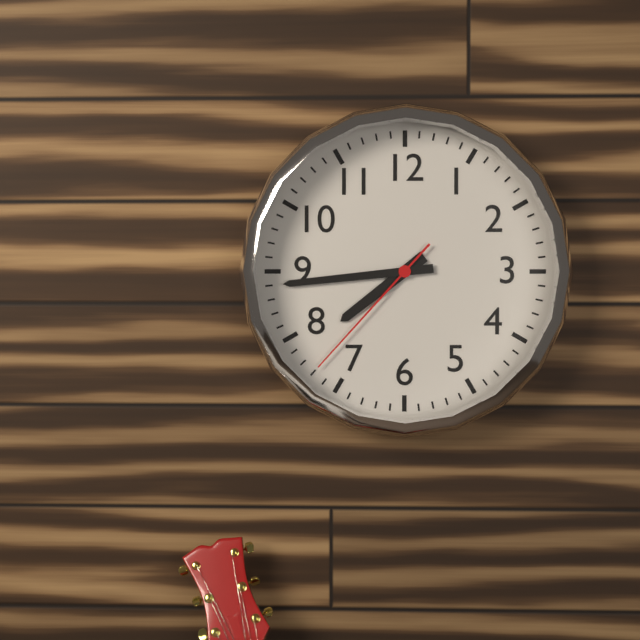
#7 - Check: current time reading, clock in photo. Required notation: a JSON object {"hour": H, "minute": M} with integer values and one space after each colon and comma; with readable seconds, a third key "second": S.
{"hour": 7, "minute": 44, "second": 37}
